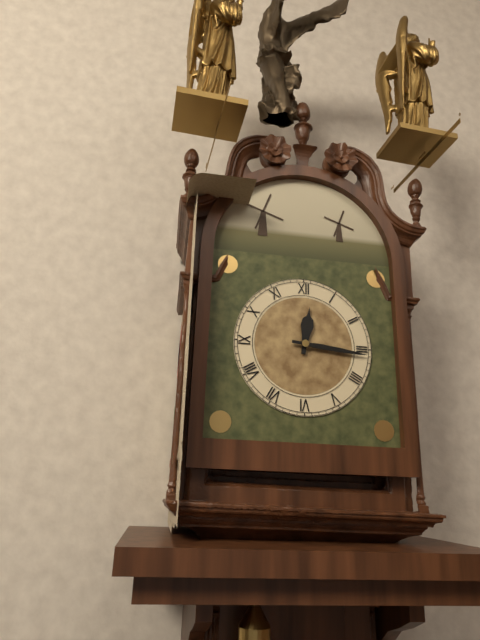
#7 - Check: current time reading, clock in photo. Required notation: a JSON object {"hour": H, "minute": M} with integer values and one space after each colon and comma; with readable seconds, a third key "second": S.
{"hour": 12, "minute": 16}
